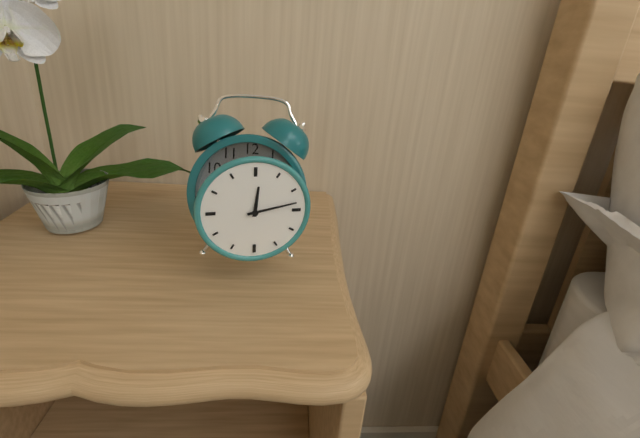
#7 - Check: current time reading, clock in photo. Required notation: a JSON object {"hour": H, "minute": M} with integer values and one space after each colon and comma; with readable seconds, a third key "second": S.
{"hour": 12, "minute": 13}
